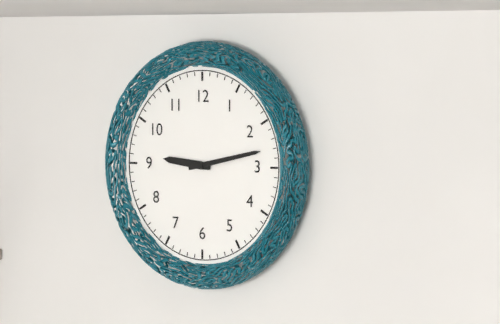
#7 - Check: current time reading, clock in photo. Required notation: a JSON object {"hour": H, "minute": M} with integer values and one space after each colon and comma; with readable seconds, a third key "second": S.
{"hour": 9, "minute": 13}
